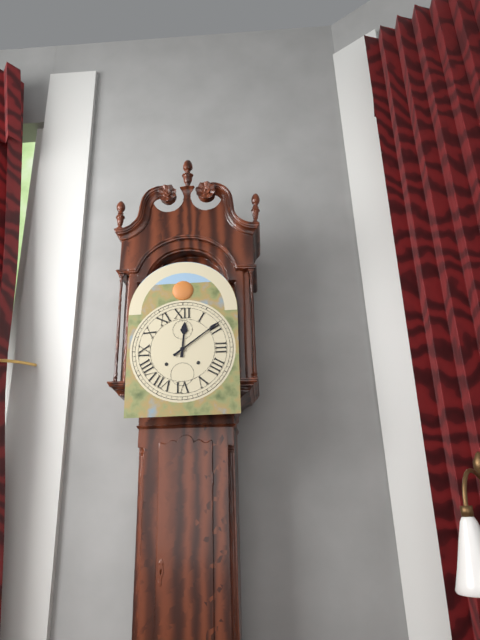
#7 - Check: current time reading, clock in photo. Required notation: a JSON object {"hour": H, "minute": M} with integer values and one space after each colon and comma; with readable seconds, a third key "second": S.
{"hour": 12, "minute": 9}
